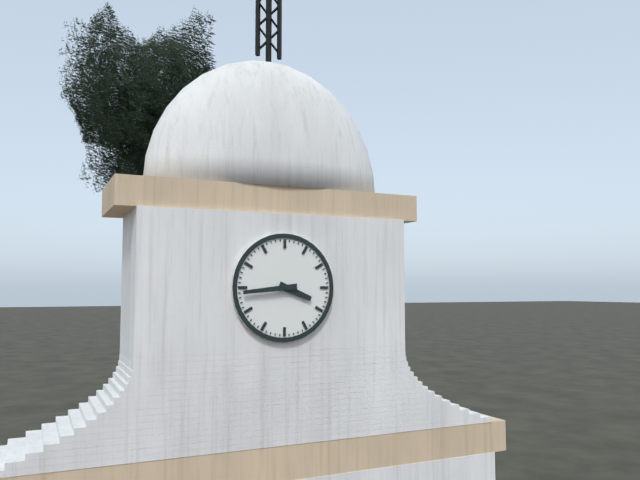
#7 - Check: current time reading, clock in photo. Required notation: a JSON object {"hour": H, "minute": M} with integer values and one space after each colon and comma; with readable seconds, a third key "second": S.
{"hour": 3, "minute": 44}
